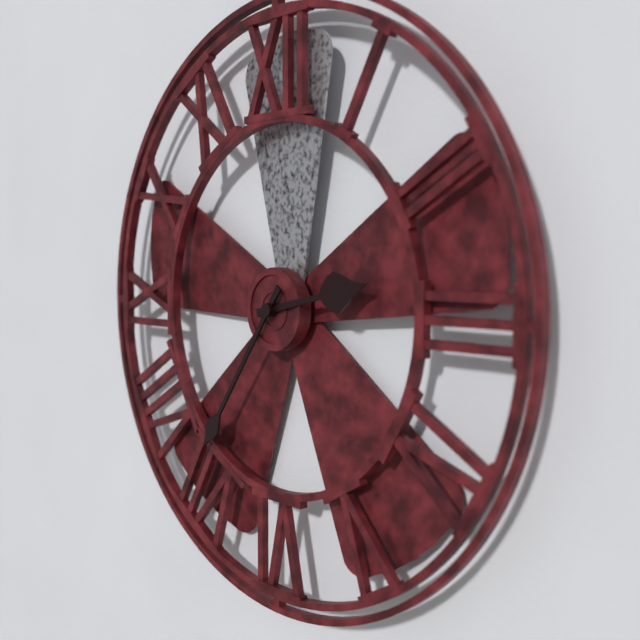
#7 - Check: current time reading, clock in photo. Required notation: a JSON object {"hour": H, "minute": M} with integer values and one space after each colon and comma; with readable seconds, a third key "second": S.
{"hour": 2, "minute": 36}
